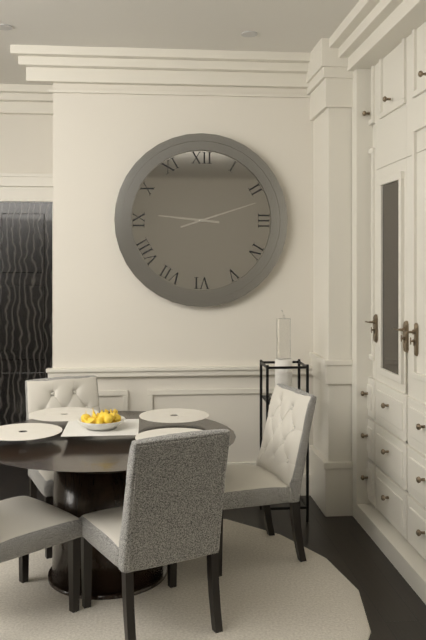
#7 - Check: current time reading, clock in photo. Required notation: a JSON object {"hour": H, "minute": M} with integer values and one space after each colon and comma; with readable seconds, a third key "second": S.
{"hour": 9, "minute": 12}
